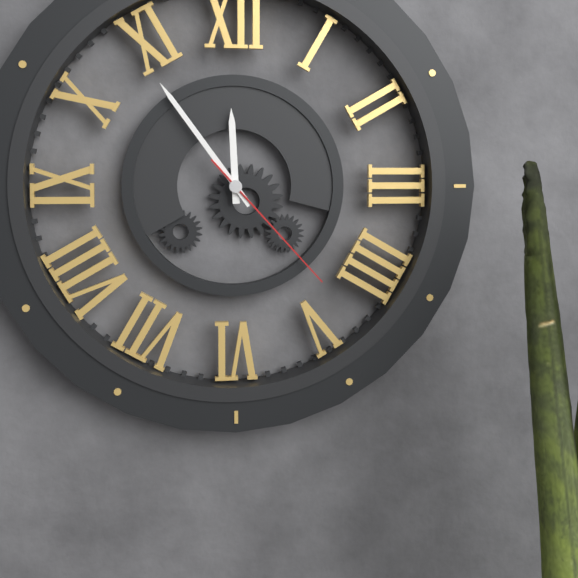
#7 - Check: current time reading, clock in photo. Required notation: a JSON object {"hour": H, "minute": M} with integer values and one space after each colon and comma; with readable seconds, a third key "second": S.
{"hour": 11, "minute": 54, "second": 23}
